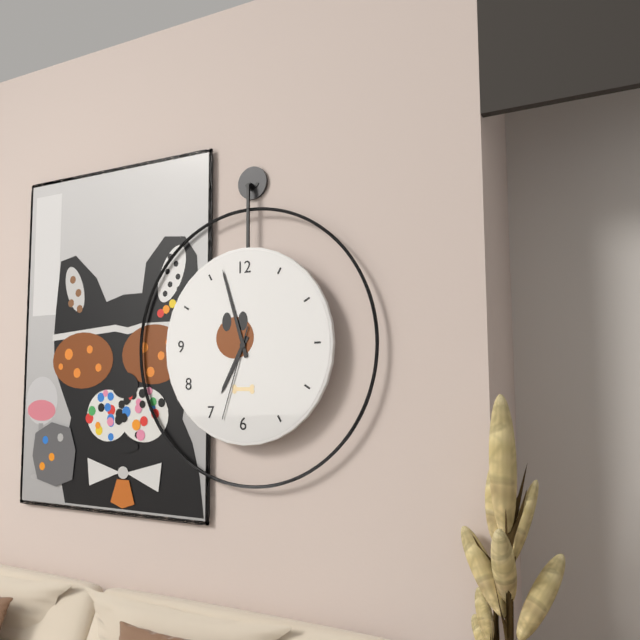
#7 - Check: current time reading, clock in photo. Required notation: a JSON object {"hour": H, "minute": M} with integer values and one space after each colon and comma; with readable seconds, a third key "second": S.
{"hour": 6, "minute": 57, "second": 33}
